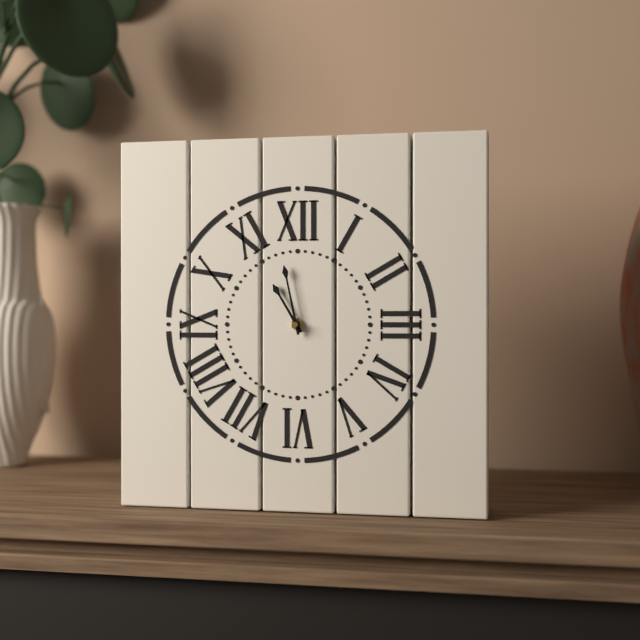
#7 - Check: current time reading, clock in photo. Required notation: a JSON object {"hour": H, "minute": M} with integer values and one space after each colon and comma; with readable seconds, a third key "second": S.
{"hour": 10, "minute": 58}
